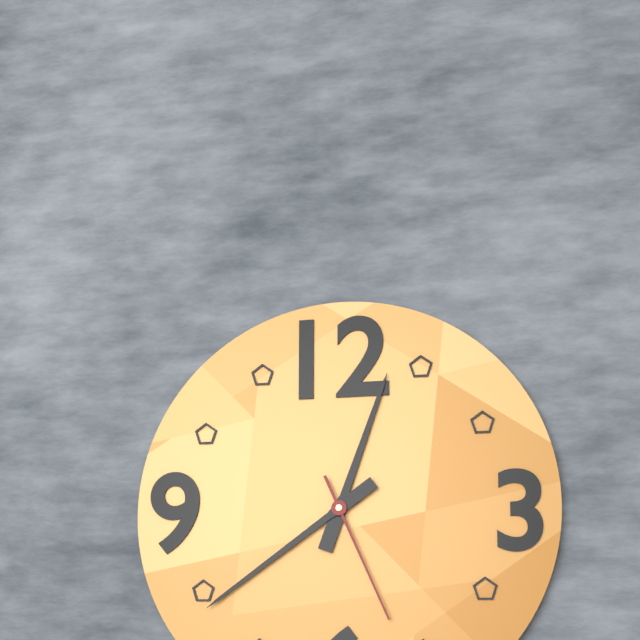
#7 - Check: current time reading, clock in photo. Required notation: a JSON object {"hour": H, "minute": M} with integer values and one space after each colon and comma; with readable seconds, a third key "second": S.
{"hour": 12, "minute": 39, "second": 26}
